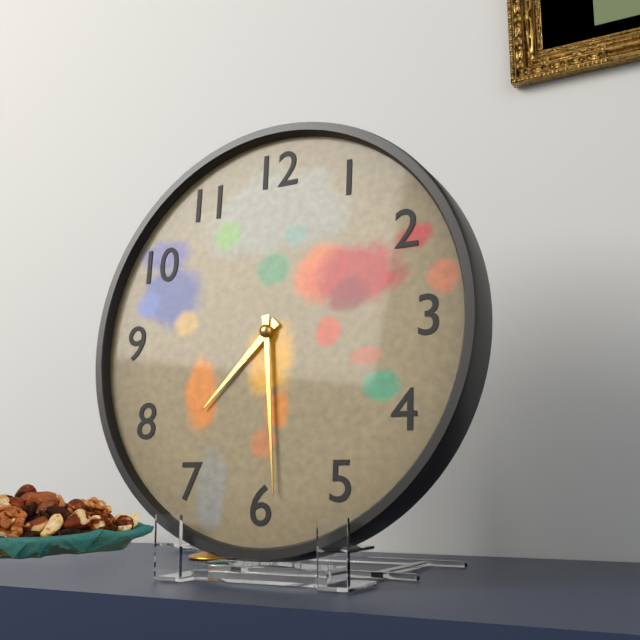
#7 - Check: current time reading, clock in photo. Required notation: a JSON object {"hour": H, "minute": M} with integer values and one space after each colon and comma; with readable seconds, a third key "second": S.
{"hour": 7, "minute": 29}
